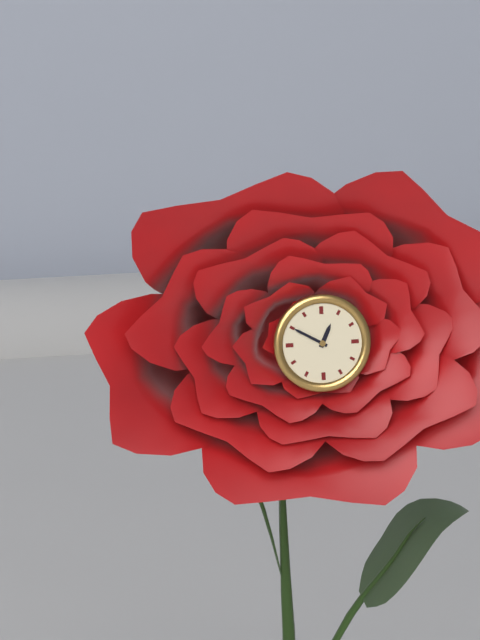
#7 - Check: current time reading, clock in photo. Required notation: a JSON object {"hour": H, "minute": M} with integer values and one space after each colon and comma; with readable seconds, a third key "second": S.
{"hour": 12, "minute": 50}
